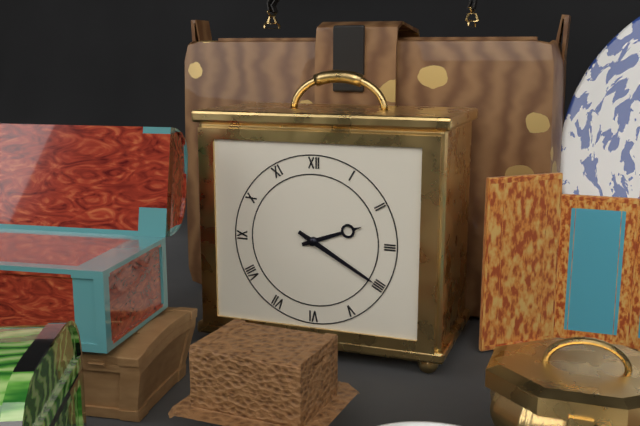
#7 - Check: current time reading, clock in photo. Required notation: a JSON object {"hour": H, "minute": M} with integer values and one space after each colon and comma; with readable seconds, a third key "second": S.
{"hour": 2, "minute": 20}
